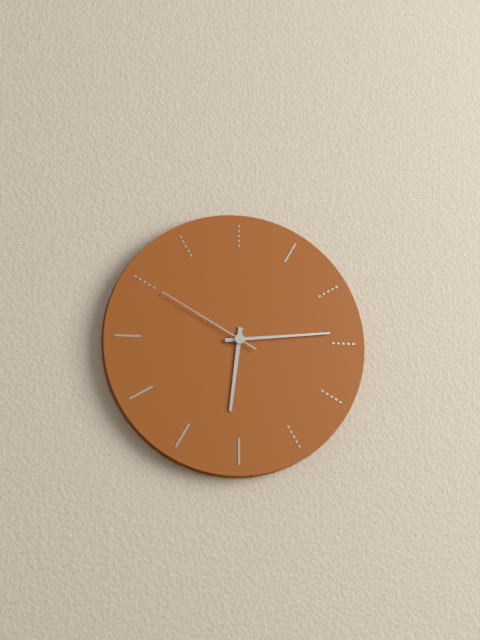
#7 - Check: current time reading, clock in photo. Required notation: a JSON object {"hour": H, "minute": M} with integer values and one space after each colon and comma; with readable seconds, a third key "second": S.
{"hour": 6, "minute": 14, "second": 50}
